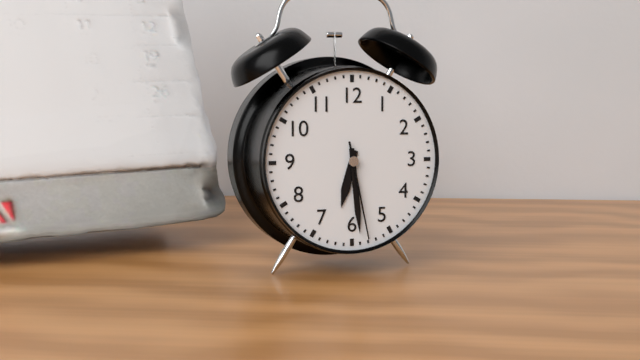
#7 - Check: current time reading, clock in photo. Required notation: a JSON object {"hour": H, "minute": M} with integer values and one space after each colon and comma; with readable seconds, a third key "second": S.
{"hour": 6, "minute": 29, "second": 28}
